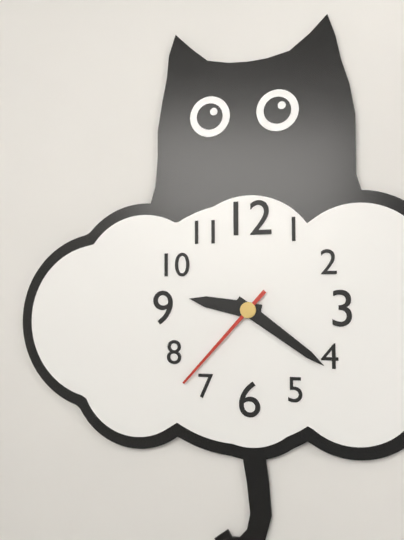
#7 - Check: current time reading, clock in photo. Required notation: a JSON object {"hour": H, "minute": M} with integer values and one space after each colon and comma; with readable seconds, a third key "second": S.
{"hour": 9, "minute": 21, "second": 37}
